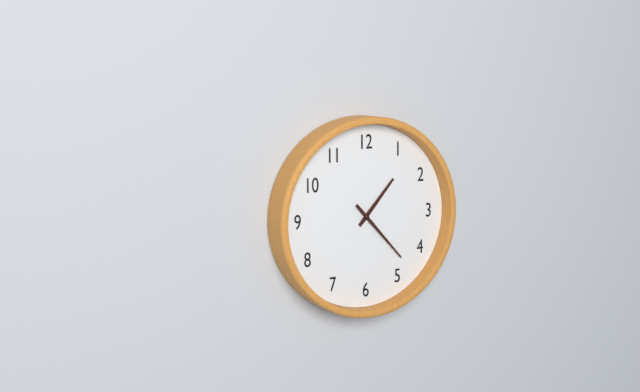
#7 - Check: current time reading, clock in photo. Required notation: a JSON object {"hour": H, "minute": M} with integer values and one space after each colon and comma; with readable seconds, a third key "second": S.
{"hour": 1, "minute": 23}
